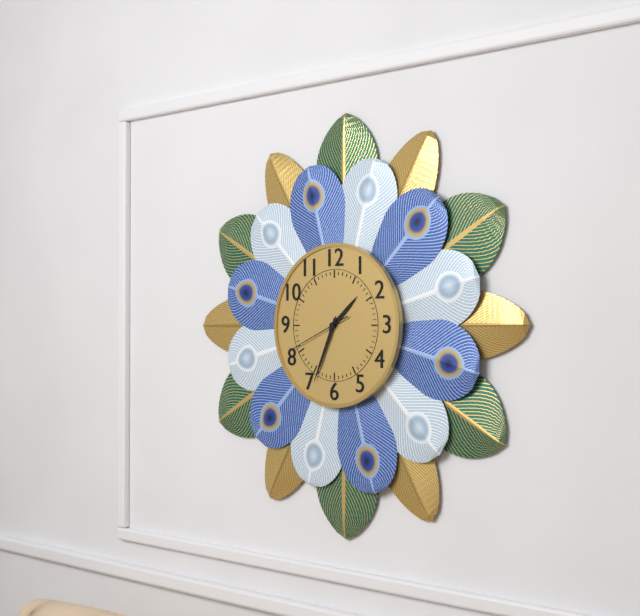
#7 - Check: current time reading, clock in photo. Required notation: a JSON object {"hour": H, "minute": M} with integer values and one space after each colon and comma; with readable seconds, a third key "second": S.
{"hour": 1, "minute": 34, "second": 41}
